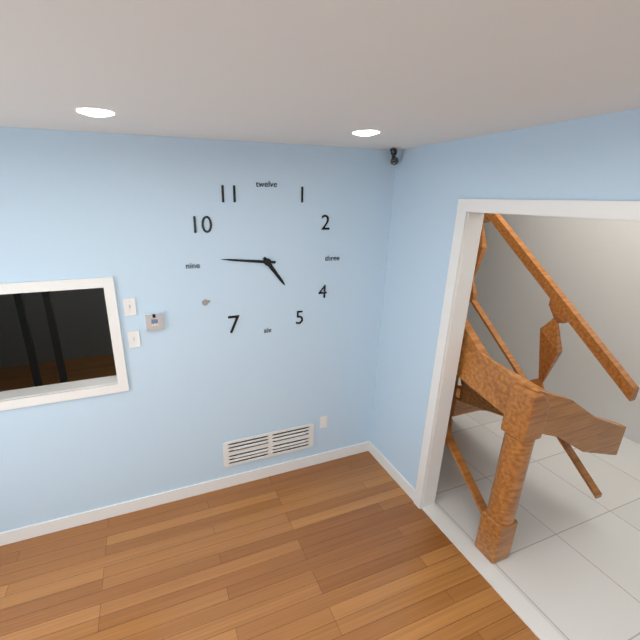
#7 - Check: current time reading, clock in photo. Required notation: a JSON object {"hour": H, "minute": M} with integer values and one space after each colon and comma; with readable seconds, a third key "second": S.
{"hour": 4, "minute": 46}
